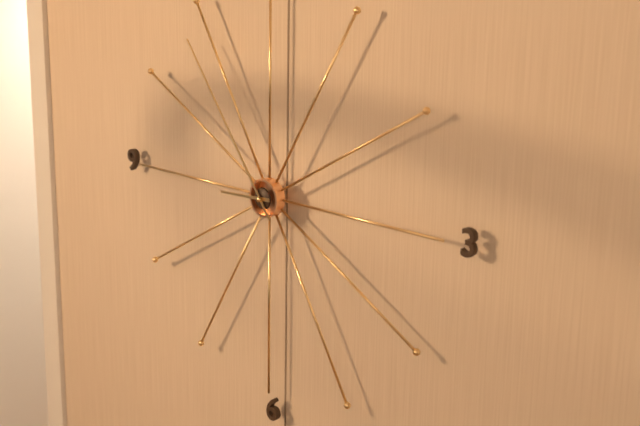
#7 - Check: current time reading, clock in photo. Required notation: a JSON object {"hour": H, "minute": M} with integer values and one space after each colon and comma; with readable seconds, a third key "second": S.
{"hour": 8, "minute": 54}
